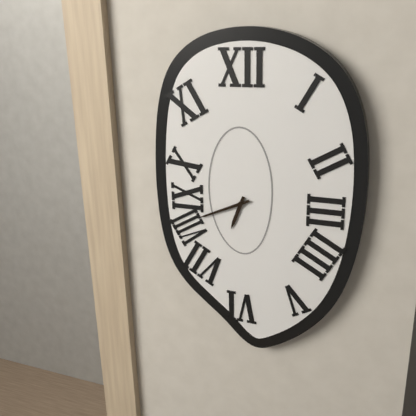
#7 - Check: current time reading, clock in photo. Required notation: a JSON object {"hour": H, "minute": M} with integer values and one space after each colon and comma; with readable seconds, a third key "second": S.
{"hour": 6, "minute": 41}
